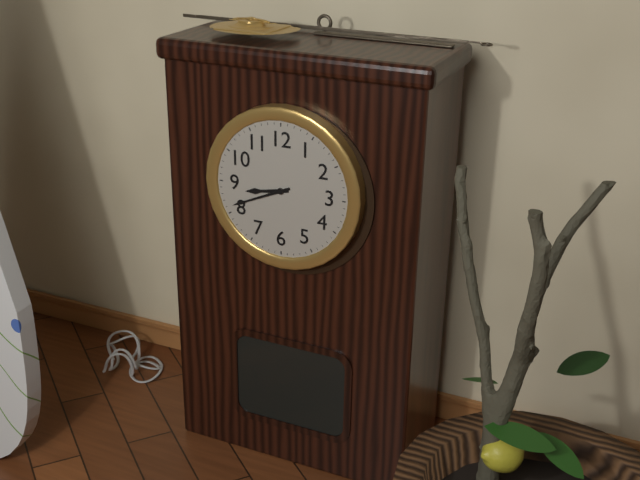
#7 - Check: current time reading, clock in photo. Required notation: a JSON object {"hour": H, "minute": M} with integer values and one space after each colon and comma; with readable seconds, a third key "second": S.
{"hour": 8, "minute": 41}
